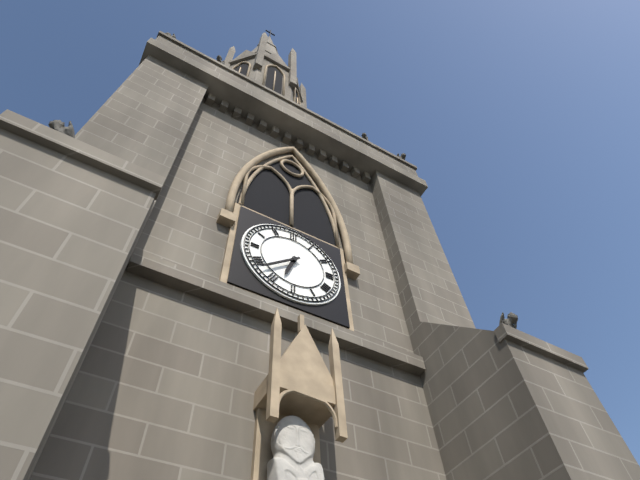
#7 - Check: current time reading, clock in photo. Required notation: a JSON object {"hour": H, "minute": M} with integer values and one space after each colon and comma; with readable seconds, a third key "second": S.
{"hour": 6, "minute": 38}
